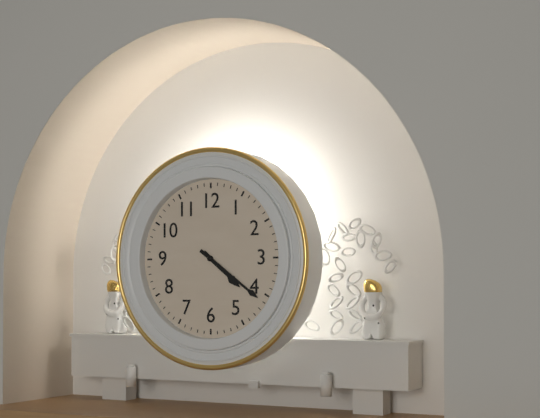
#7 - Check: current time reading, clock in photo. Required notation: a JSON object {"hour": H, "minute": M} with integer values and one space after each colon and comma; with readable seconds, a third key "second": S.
{"hour": 4, "minute": 21}
